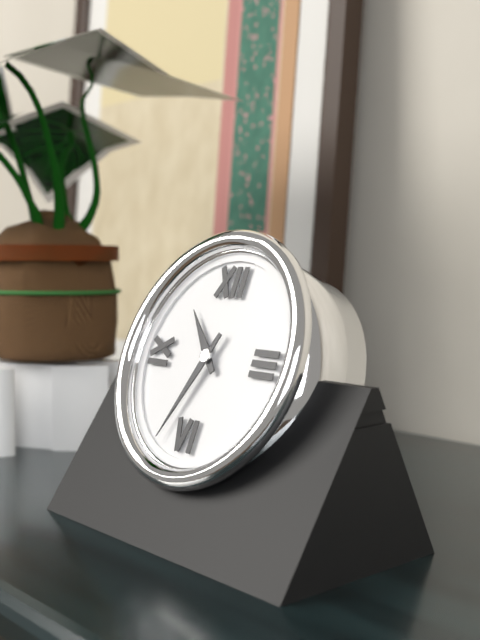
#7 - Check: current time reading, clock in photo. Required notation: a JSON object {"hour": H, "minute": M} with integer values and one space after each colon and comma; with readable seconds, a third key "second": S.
{"hour": 10, "minute": 34}
